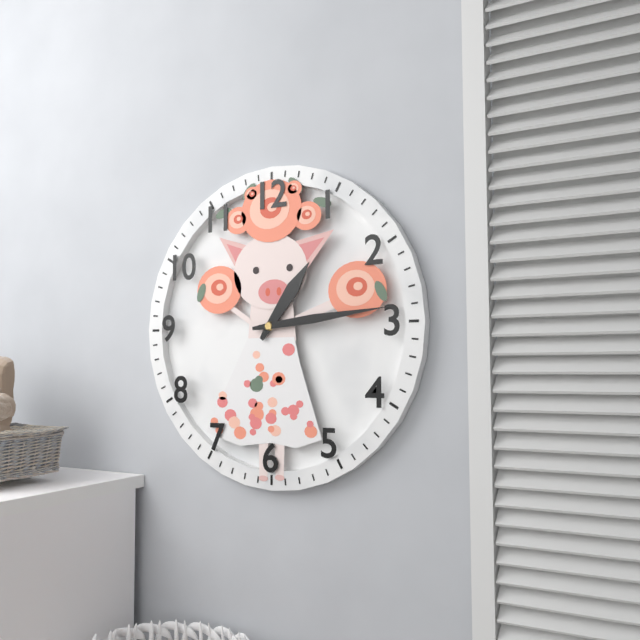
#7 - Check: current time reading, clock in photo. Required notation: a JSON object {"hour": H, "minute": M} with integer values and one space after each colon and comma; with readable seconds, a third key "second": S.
{"hour": 1, "minute": 14}
